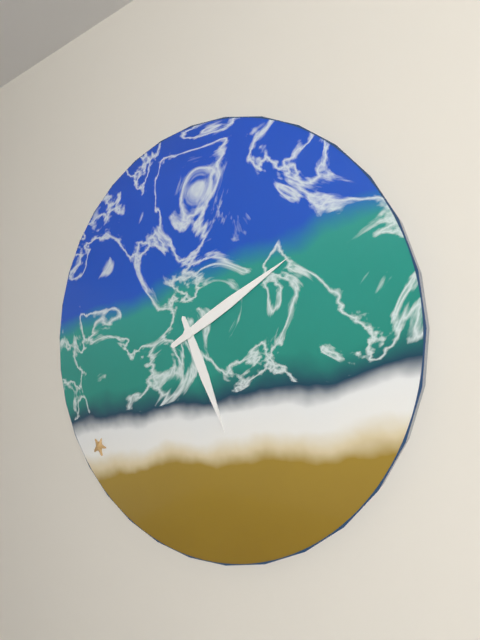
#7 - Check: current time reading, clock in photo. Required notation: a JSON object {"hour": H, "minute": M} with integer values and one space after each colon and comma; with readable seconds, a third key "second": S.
{"hour": 5, "minute": 10}
